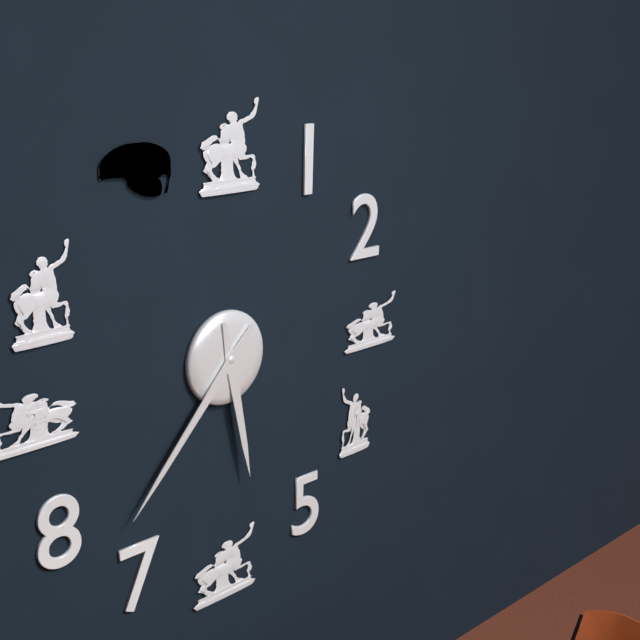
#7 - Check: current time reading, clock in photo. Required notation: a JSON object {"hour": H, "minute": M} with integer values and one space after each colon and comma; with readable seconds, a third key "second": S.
{"hour": 5, "minute": 37}
